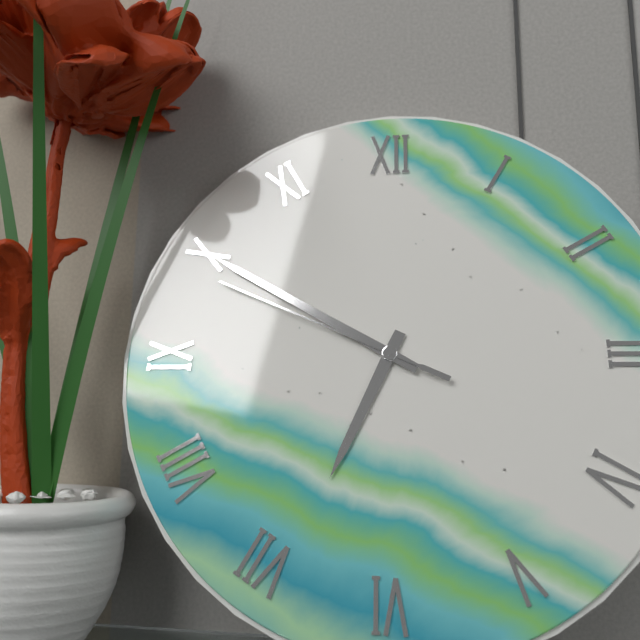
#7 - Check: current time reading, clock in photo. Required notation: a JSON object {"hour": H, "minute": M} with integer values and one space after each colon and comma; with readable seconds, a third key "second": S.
{"hour": 6, "minute": 50, "second": 49}
